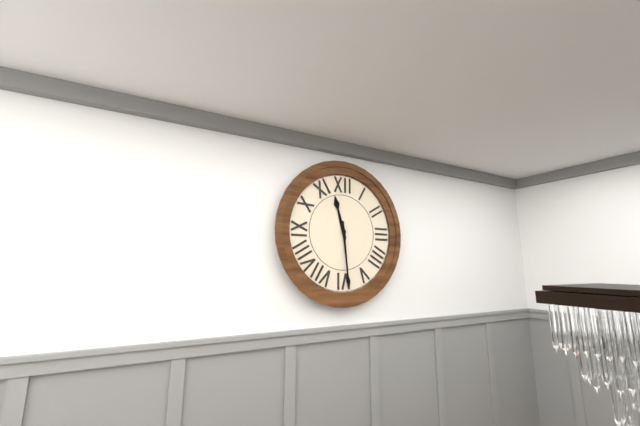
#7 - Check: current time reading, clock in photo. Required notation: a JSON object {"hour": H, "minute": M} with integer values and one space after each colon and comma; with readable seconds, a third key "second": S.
{"hour": 11, "minute": 29}
